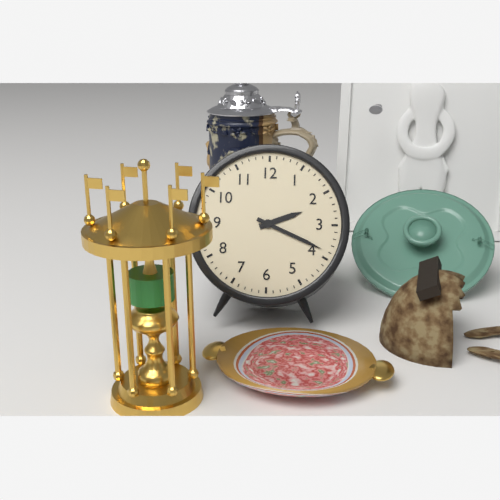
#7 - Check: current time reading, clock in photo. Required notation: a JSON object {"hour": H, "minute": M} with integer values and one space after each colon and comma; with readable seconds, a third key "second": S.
{"hour": 2, "minute": 19}
